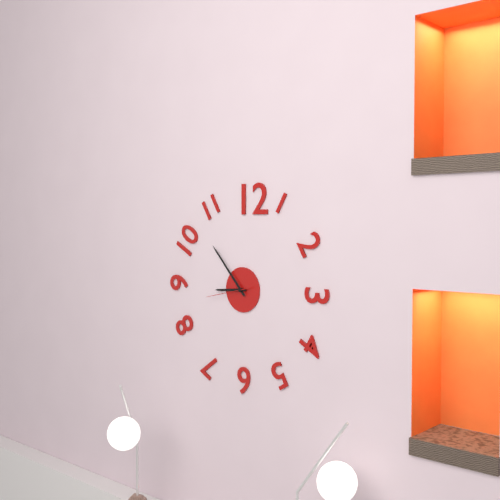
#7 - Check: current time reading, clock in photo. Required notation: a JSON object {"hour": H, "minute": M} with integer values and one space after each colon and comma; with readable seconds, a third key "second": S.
{"hour": 8, "minute": 53}
